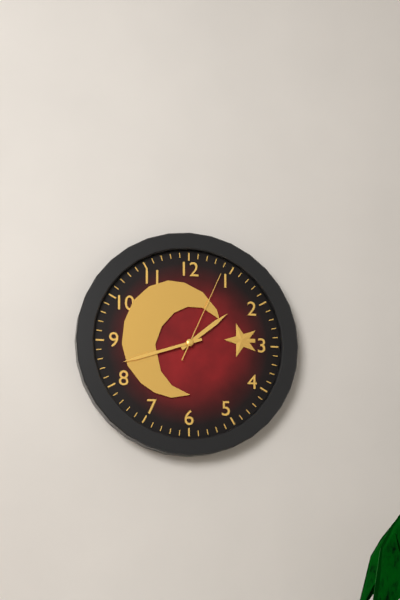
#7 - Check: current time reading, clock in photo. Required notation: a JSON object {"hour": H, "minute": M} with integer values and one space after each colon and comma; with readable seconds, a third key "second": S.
{"hour": 1, "minute": 42, "second": 4}
